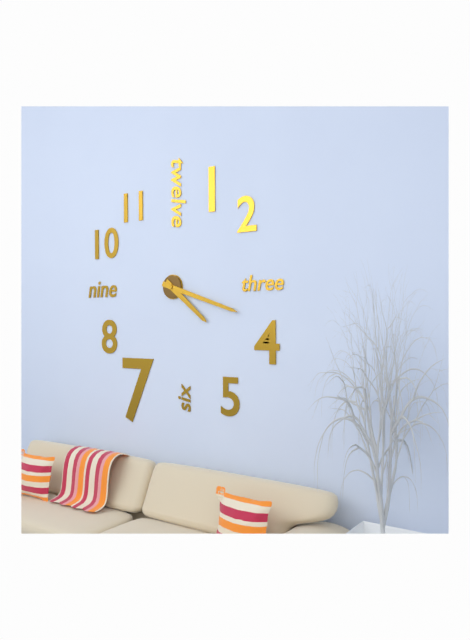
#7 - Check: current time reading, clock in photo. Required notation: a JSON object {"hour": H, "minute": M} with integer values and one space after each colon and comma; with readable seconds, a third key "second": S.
{"hour": 4, "minute": 18}
